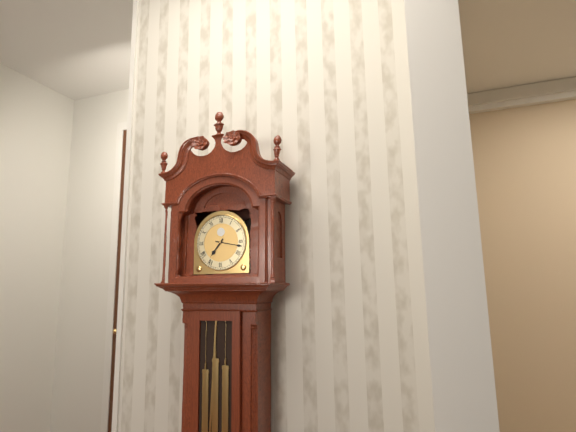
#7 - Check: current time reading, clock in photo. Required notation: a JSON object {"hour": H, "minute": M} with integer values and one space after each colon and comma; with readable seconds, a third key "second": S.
{"hour": 7, "minute": 17}
